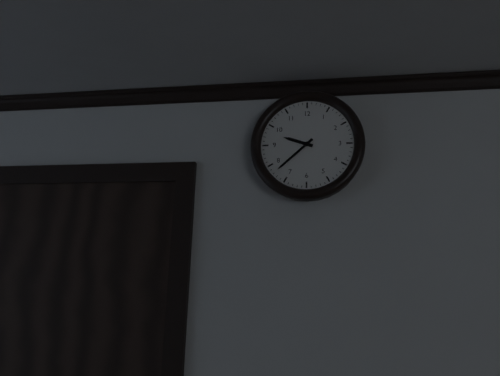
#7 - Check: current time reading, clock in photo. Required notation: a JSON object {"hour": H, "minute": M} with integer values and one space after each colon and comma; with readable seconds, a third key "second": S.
{"hour": 9, "minute": 38}
